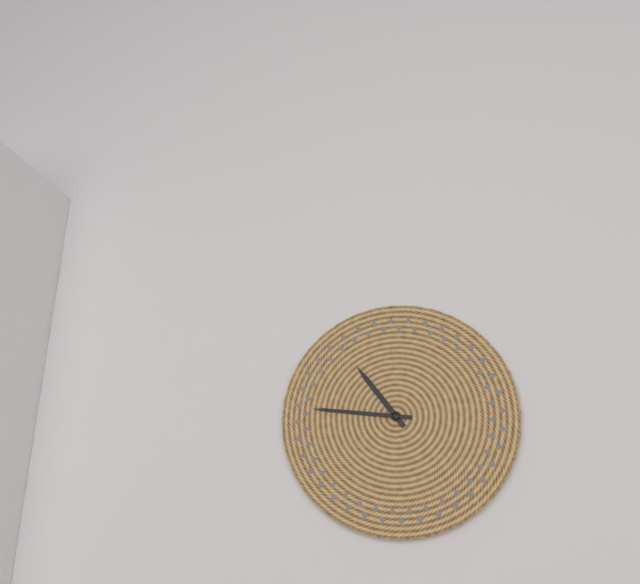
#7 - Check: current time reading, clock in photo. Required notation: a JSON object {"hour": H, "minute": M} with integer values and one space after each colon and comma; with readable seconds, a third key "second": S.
{"hour": 10, "minute": 46}
